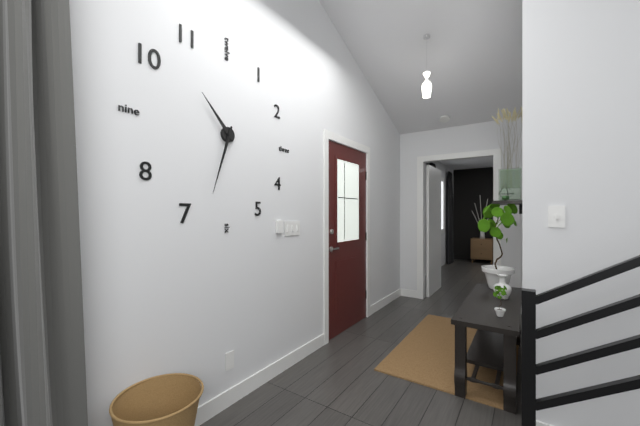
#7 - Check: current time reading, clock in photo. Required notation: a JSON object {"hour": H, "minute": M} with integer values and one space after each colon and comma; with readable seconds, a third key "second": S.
{"hour": 10, "minute": 33}
